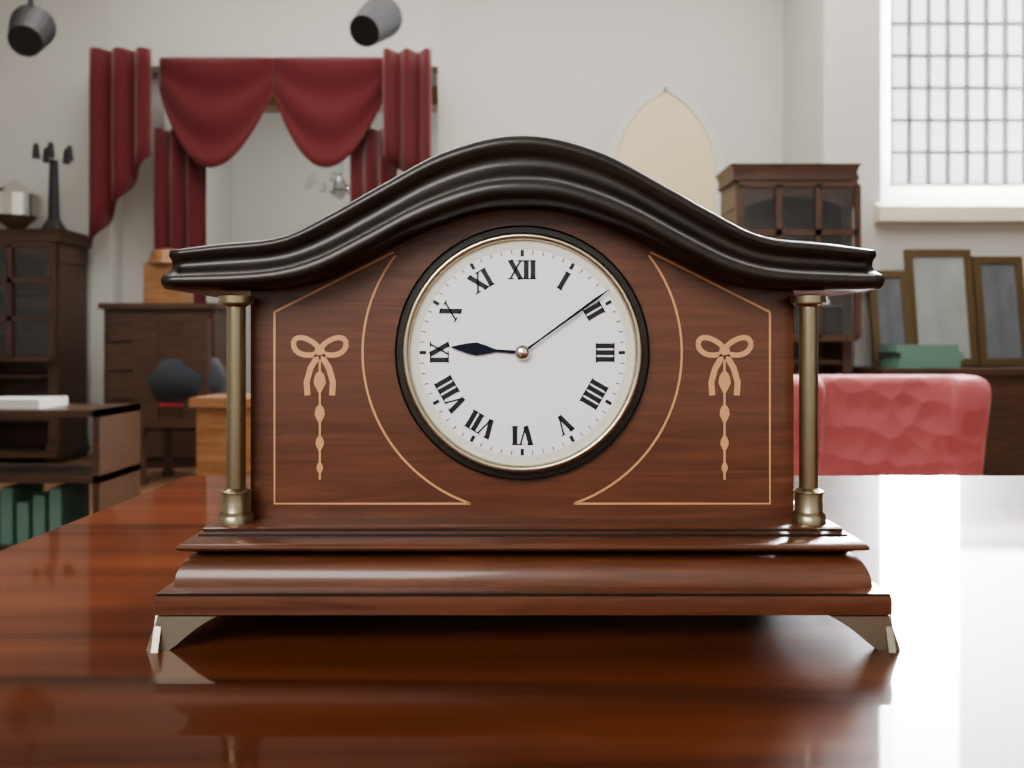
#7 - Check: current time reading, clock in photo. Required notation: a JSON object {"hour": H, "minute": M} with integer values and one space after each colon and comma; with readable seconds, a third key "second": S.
{"hour": 9, "minute": 9}
